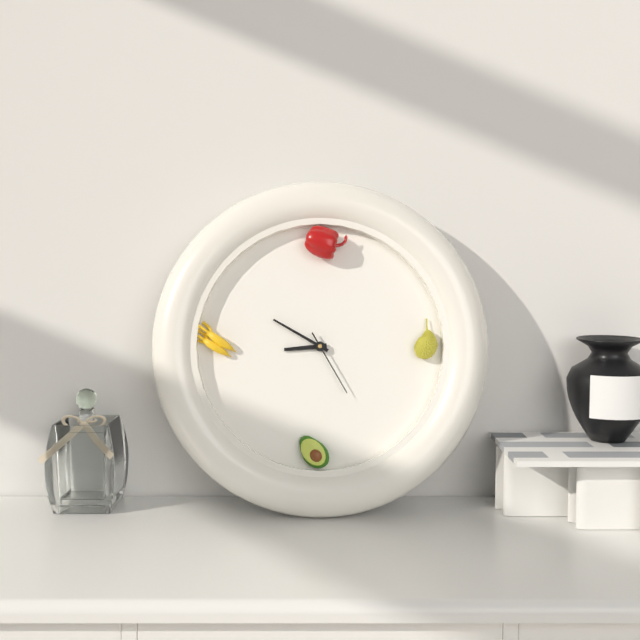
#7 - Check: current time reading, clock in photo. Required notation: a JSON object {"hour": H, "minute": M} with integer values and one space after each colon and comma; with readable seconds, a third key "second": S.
{"hour": 8, "minute": 50, "second": 25}
